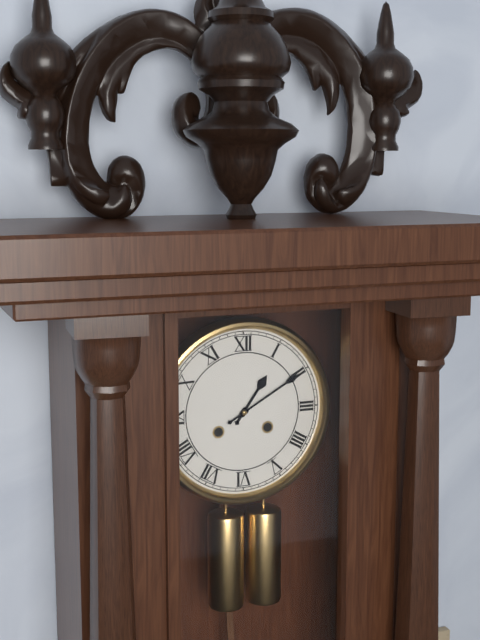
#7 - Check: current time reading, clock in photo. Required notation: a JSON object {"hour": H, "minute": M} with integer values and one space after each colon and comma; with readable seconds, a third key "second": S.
{"hour": 1, "minute": 10}
